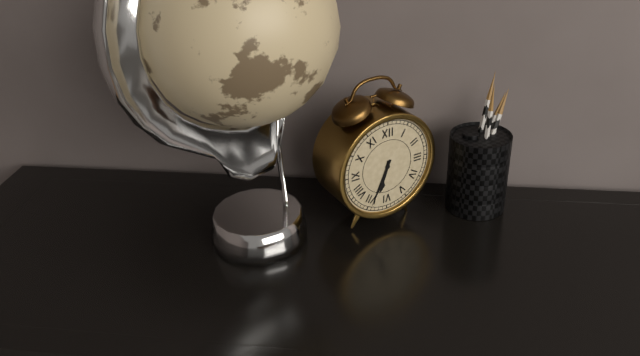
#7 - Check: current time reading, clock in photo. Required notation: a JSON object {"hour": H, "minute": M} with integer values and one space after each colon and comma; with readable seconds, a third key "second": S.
{"hour": 6, "minute": 34}
